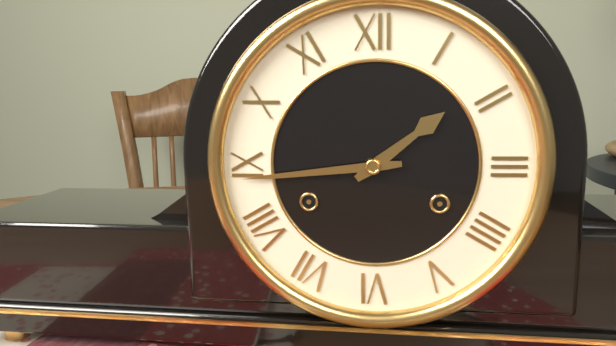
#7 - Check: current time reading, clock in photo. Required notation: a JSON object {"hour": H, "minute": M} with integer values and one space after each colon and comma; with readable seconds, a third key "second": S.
{"hour": 1, "minute": 44}
